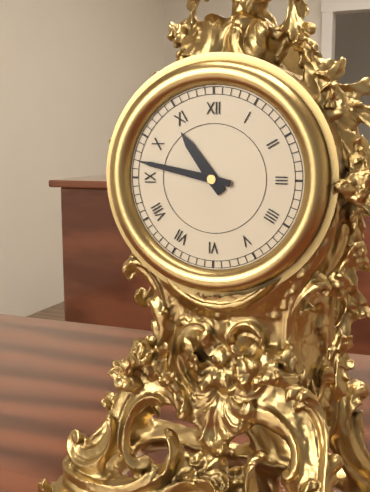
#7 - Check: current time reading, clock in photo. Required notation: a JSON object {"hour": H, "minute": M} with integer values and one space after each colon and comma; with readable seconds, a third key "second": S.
{"hour": 10, "minute": 47}
